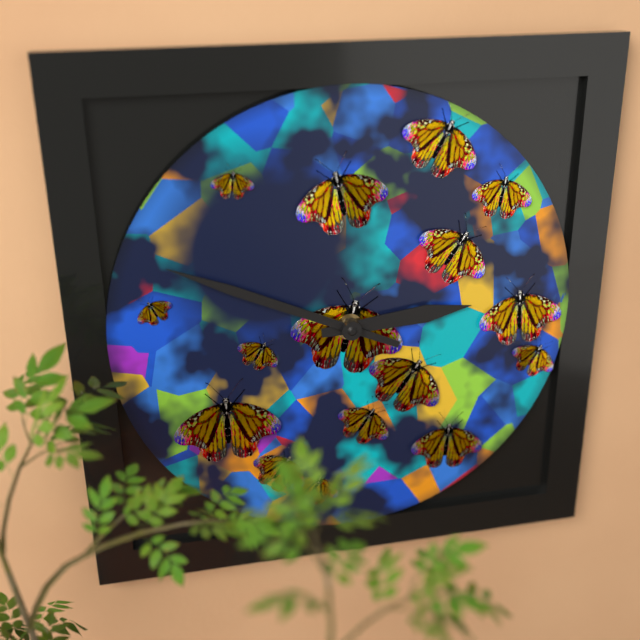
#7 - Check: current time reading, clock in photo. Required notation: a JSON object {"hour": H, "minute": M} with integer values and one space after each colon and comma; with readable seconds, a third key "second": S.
{"hour": 2, "minute": 49}
